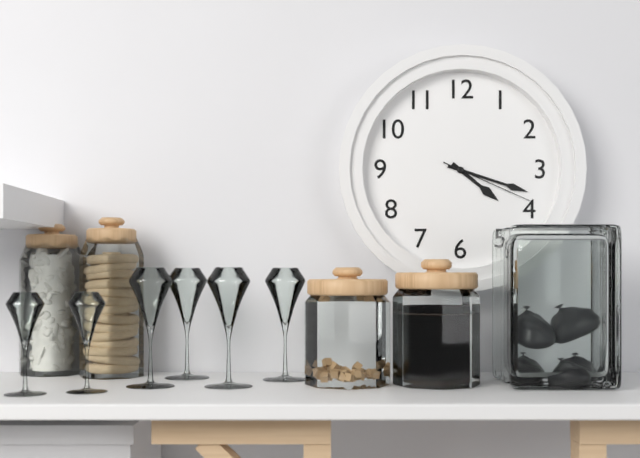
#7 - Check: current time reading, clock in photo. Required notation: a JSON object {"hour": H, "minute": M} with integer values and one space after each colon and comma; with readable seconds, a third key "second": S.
{"hour": 4, "minute": 18, "second": 19}
